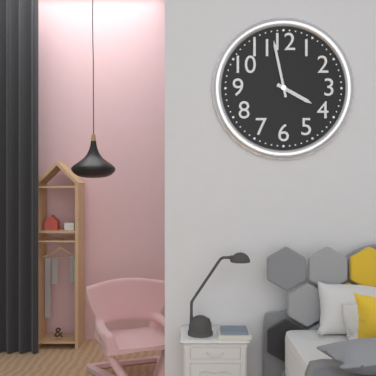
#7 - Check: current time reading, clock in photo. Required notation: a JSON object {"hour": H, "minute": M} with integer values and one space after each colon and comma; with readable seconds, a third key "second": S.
{"hour": 3, "minute": 58}
